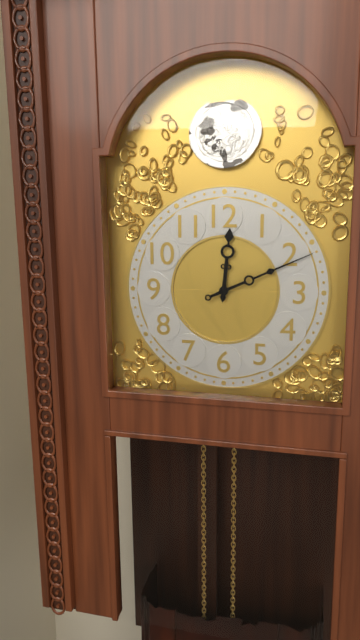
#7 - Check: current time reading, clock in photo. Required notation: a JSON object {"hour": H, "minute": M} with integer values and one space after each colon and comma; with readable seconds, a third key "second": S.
{"hour": 12, "minute": 11}
